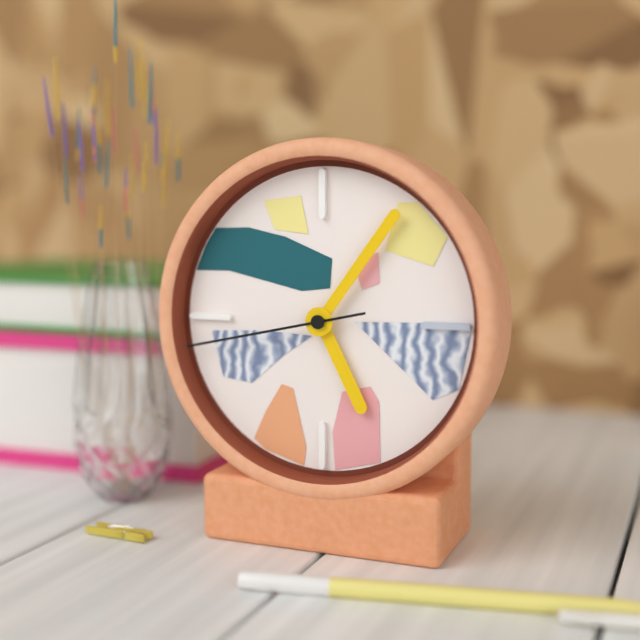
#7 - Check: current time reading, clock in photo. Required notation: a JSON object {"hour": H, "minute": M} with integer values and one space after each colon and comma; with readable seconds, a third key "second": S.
{"hour": 5, "minute": 6, "second": 43}
